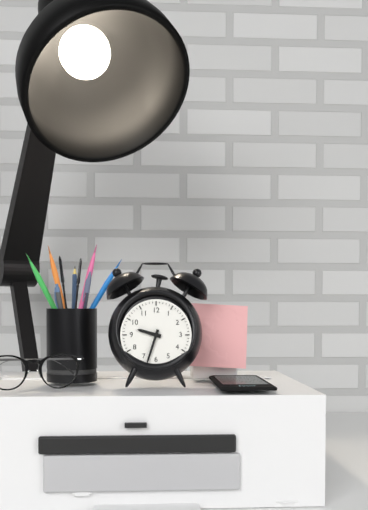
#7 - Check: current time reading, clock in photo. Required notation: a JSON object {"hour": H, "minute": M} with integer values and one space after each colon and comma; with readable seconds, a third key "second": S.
{"hour": 9, "minute": 33}
